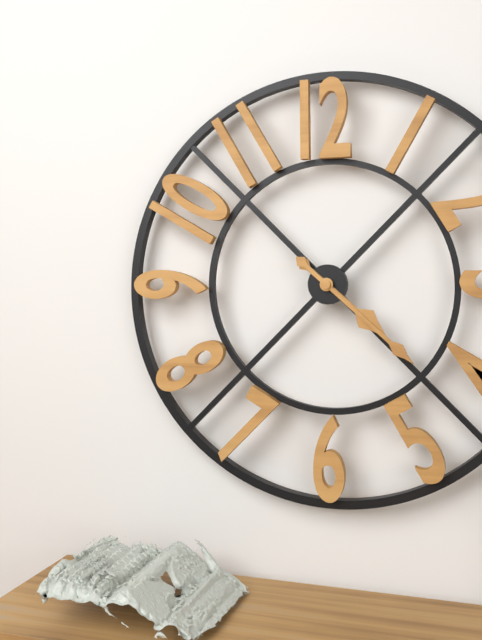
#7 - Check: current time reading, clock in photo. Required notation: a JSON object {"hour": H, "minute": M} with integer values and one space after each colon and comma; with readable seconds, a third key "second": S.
{"hour": 4, "minute": 22}
